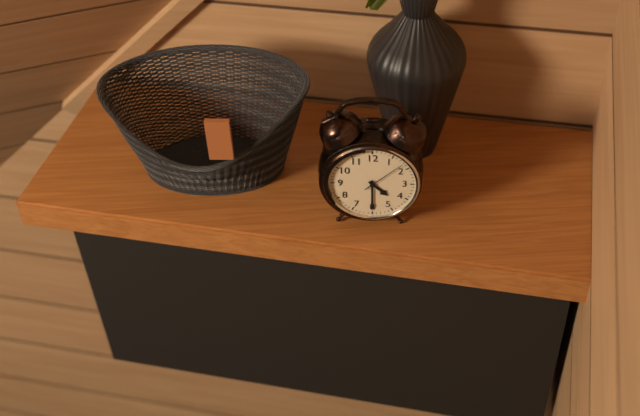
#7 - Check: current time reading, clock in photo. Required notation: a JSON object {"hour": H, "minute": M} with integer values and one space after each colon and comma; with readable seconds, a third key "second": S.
{"hour": 4, "minute": 30}
